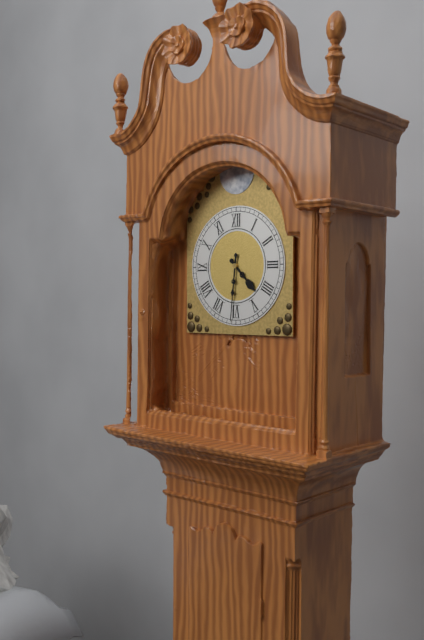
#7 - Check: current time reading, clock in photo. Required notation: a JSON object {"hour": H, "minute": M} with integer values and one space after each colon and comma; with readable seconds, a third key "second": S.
{"hour": 4, "minute": 31}
